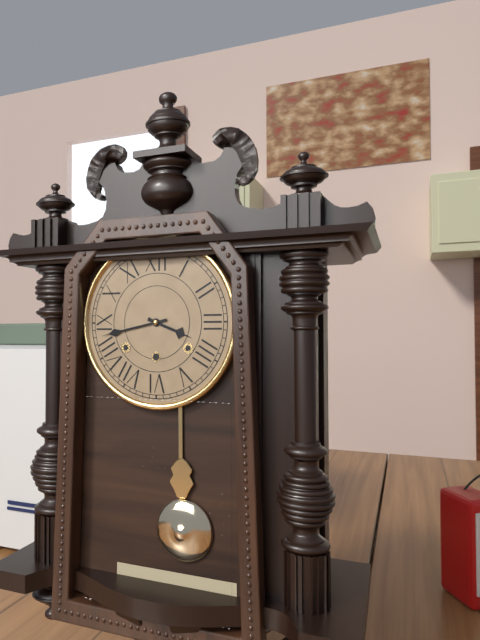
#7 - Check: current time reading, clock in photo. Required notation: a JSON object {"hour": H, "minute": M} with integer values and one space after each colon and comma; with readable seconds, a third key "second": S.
{"hour": 3, "minute": 43}
